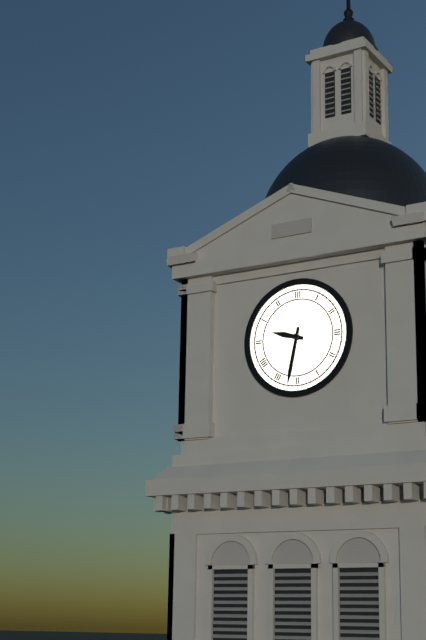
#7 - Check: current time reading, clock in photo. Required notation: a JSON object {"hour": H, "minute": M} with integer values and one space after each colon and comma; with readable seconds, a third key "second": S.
{"hour": 9, "minute": 32}
